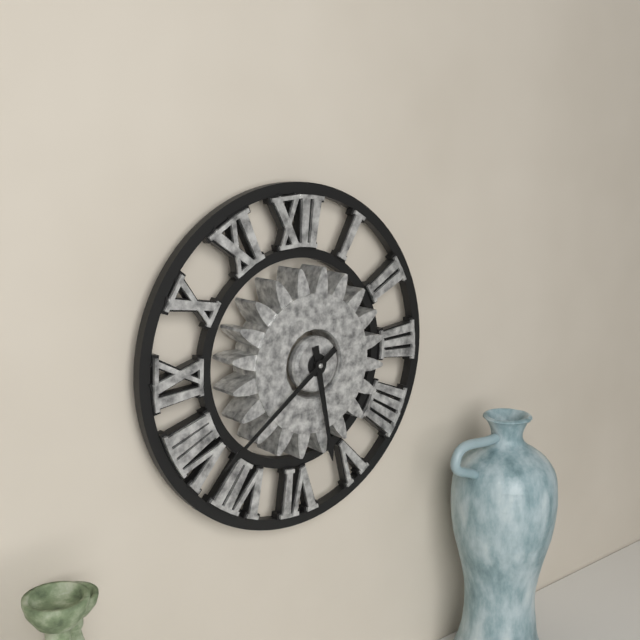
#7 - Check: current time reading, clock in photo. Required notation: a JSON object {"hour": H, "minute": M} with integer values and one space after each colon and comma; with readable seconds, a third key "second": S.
{"hour": 5, "minute": 39}
